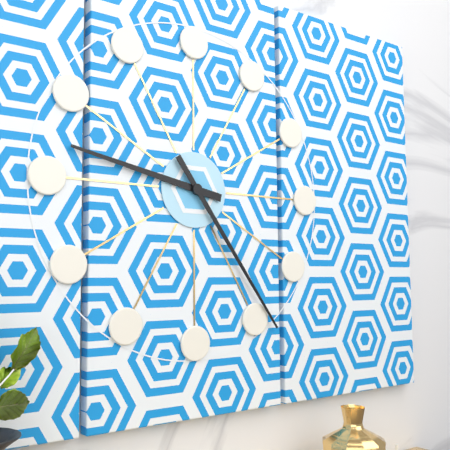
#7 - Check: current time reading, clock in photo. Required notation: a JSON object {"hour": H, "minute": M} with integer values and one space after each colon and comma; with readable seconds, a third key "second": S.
{"hour": 9, "minute": 24}
